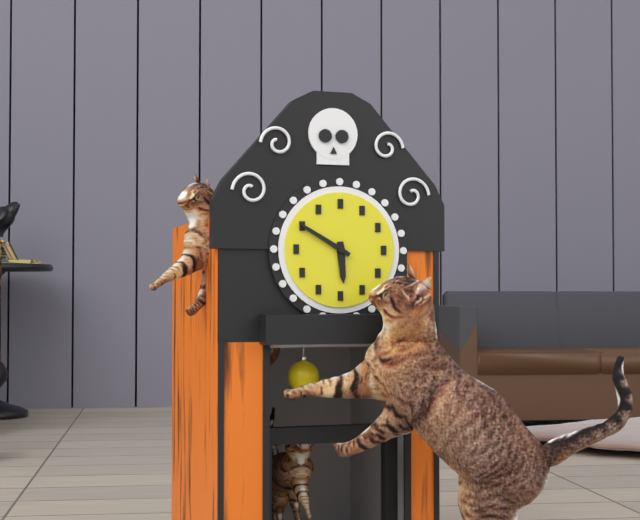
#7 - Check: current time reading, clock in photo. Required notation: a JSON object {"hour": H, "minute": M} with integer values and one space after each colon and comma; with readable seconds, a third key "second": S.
{"hour": 5, "minute": 50}
